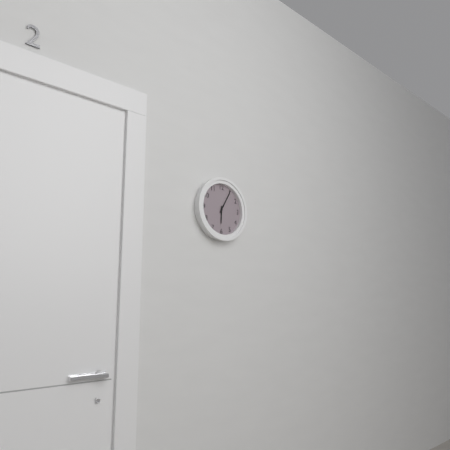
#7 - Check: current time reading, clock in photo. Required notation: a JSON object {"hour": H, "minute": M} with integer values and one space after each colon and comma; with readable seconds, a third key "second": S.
{"hour": 6, "minute": 5}
